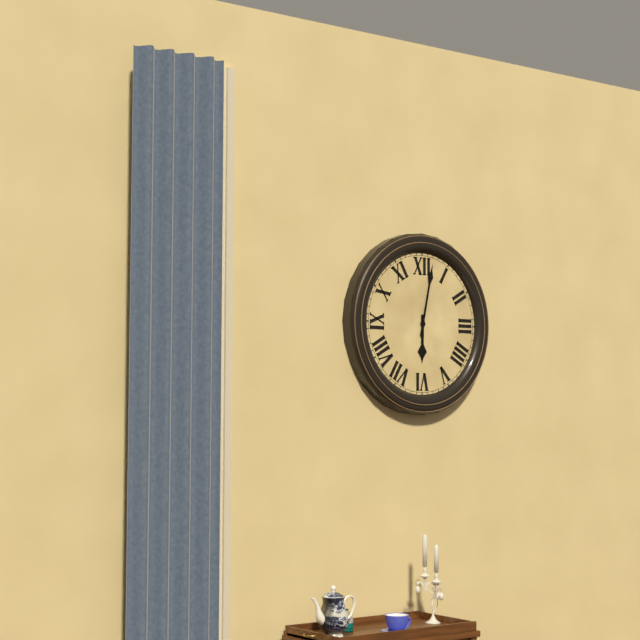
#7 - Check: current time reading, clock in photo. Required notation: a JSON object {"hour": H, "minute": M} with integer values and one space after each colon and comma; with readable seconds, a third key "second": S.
{"hour": 6, "minute": 2}
